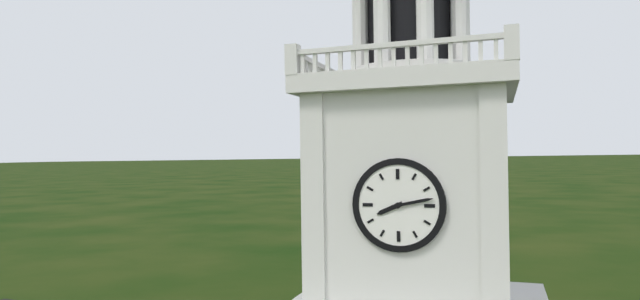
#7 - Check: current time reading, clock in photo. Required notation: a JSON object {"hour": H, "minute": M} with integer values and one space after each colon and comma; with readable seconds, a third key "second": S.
{"hour": 8, "minute": 13}
